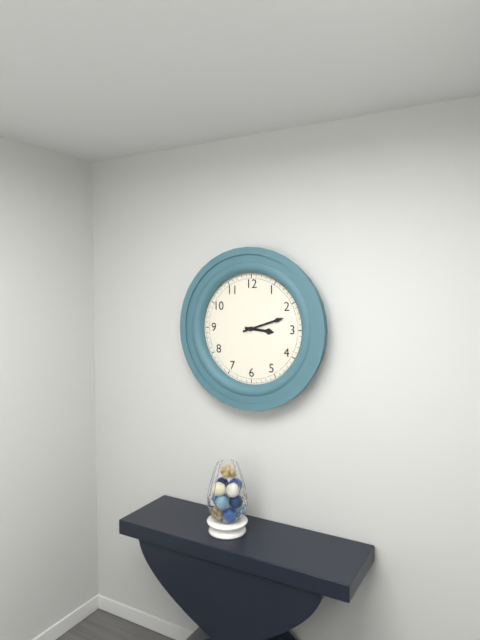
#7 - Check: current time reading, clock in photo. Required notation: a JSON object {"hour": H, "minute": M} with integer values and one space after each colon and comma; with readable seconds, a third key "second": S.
{"hour": 3, "minute": 12}
